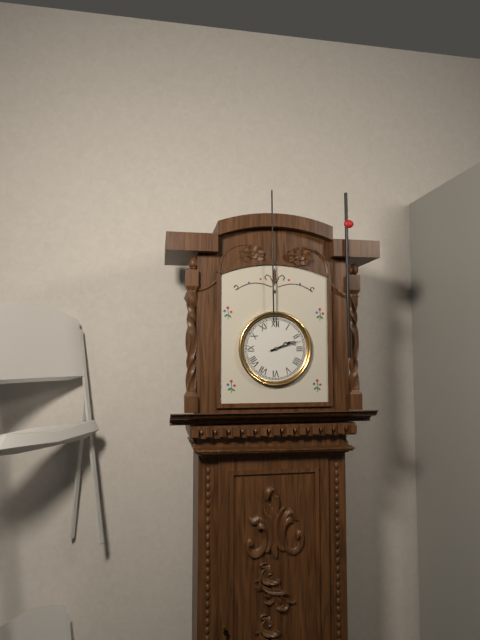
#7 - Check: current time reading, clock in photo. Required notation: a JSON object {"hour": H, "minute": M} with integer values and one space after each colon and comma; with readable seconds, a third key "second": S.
{"hour": 2, "minute": 12}
